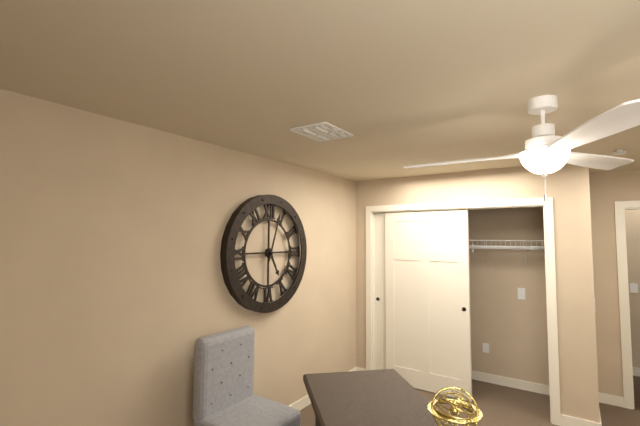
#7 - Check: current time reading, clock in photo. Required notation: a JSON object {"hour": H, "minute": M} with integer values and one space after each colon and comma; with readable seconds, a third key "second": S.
{"hour": 5, "minute": 3}
